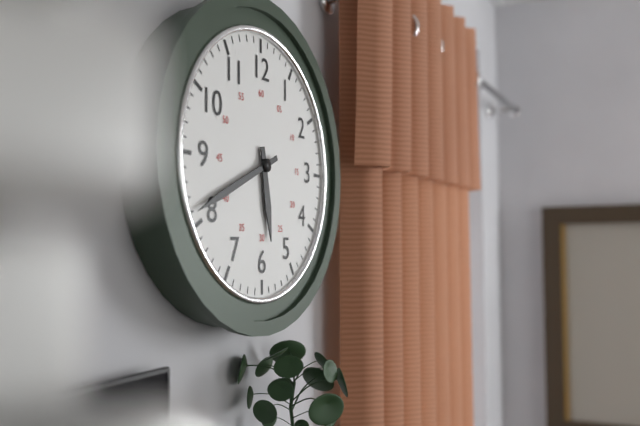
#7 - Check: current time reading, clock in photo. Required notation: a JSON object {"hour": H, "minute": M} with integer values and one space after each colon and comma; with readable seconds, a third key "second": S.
{"hour": 5, "minute": 41}
